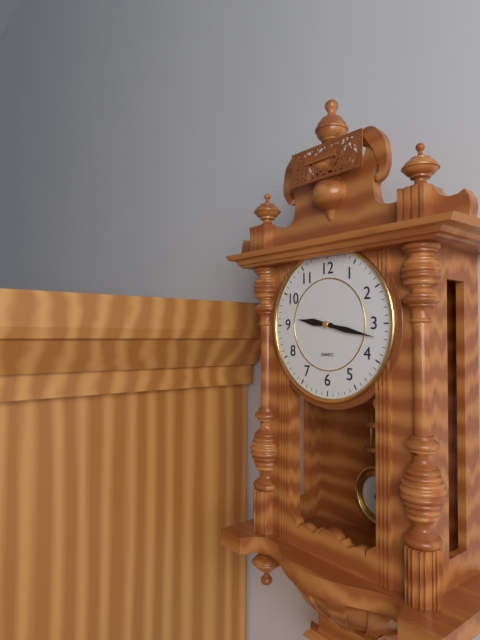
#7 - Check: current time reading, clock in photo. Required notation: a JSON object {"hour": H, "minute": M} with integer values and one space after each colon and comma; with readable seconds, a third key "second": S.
{"hour": 9, "minute": 17}
